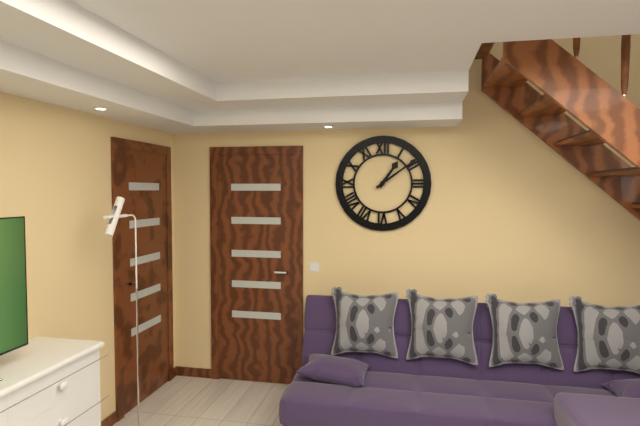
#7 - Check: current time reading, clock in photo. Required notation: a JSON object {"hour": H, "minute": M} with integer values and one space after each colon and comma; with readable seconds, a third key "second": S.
{"hour": 1, "minute": 9}
